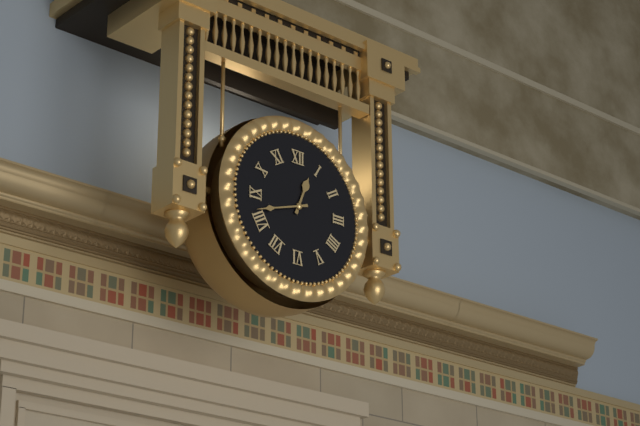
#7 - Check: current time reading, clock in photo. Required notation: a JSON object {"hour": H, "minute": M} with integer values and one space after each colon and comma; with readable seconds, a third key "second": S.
{"hour": 12, "minute": 42}
